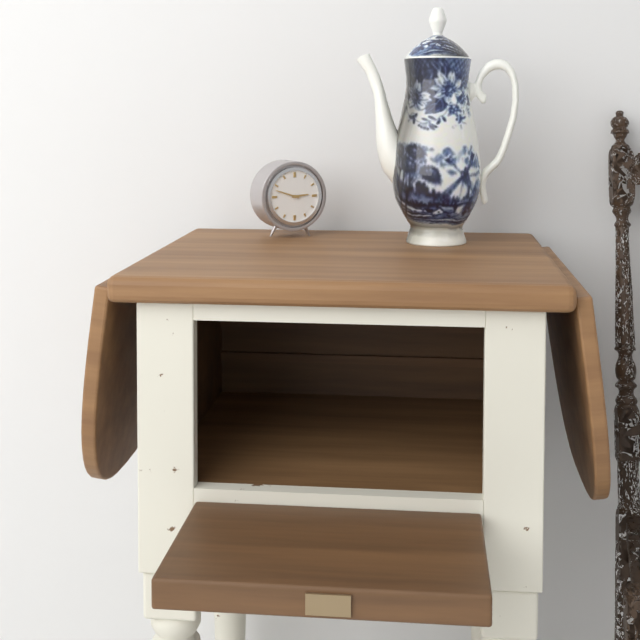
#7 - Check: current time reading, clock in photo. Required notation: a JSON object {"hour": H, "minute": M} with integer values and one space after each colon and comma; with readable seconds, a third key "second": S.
{"hour": 2, "minute": 48}
